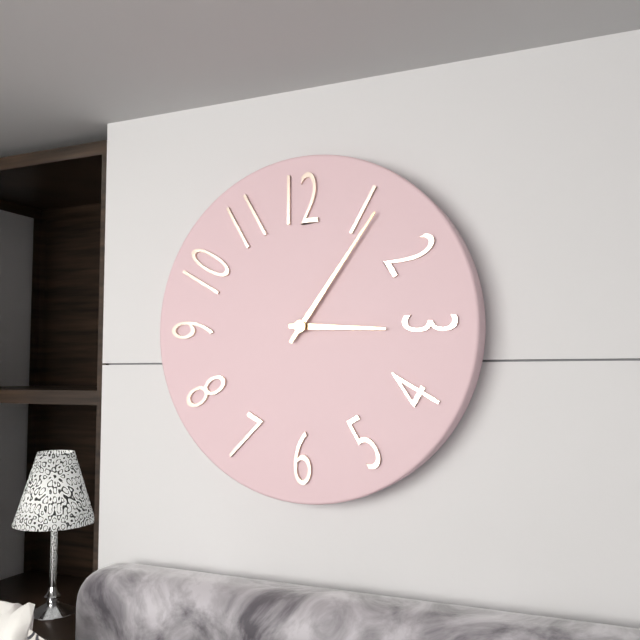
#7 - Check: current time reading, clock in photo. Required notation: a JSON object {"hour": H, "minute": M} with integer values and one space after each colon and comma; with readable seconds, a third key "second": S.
{"hour": 3, "minute": 6}
